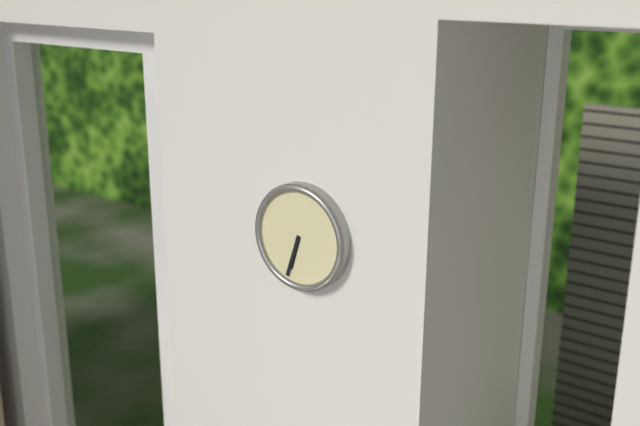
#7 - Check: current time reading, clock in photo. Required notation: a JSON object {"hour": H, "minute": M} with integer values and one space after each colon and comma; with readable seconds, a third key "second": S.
{"hour": 6, "minute": 33}
